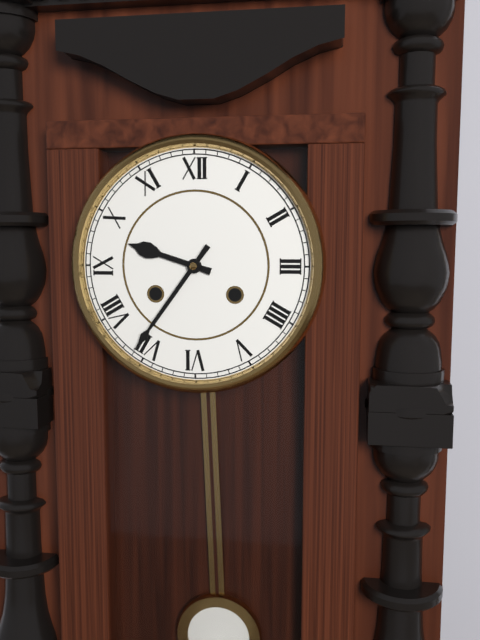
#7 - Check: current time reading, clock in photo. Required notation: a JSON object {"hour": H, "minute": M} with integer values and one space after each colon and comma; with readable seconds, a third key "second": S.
{"hour": 9, "minute": 36}
